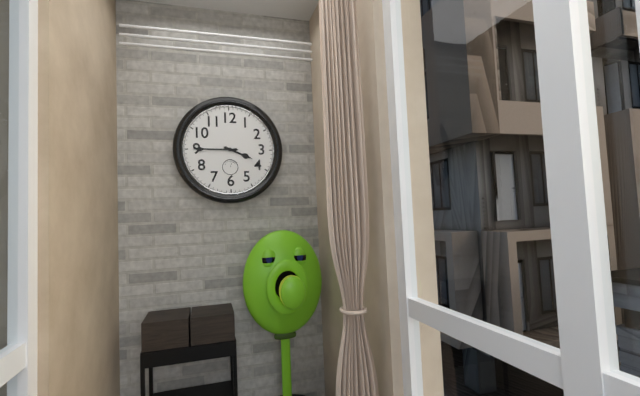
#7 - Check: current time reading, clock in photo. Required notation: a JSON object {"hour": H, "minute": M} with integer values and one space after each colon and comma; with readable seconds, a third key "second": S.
{"hour": 3, "minute": 45}
